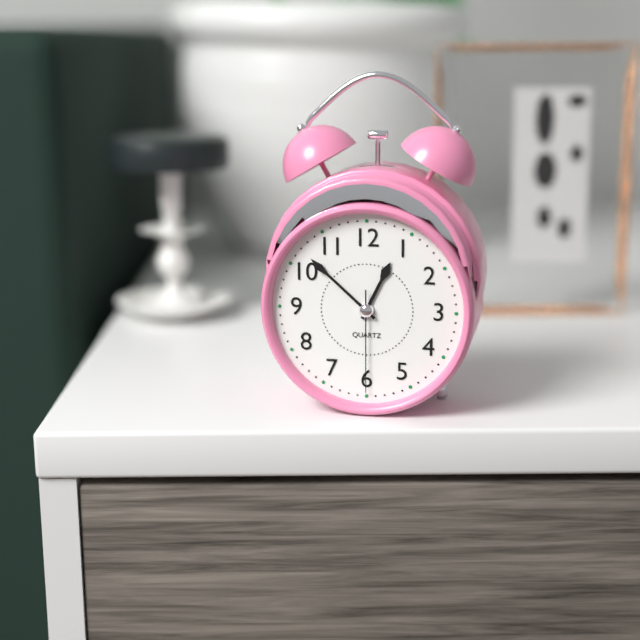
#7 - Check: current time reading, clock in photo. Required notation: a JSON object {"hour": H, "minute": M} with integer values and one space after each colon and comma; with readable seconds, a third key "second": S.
{"hour": 12, "minute": 52, "second": 30}
